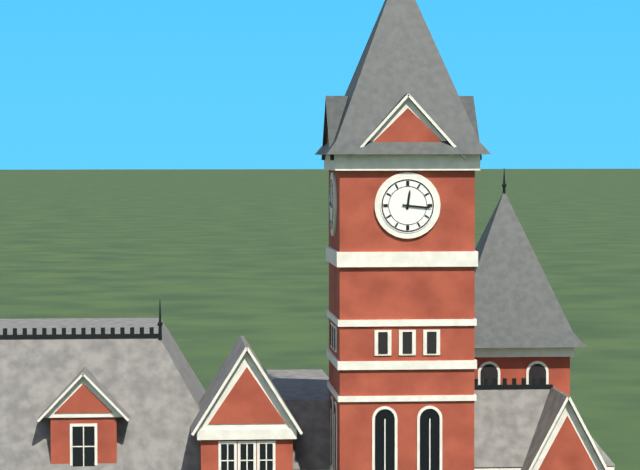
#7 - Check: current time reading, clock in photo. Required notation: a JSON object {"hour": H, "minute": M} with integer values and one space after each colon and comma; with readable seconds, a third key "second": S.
{"hour": 12, "minute": 16}
